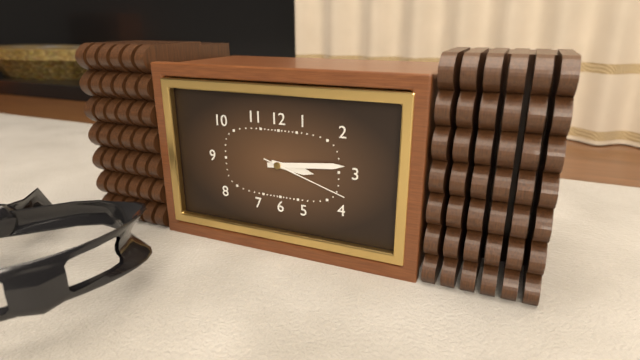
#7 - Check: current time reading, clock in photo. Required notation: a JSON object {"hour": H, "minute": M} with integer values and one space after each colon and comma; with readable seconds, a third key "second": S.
{"hour": 3, "minute": 14, "second": 18}
